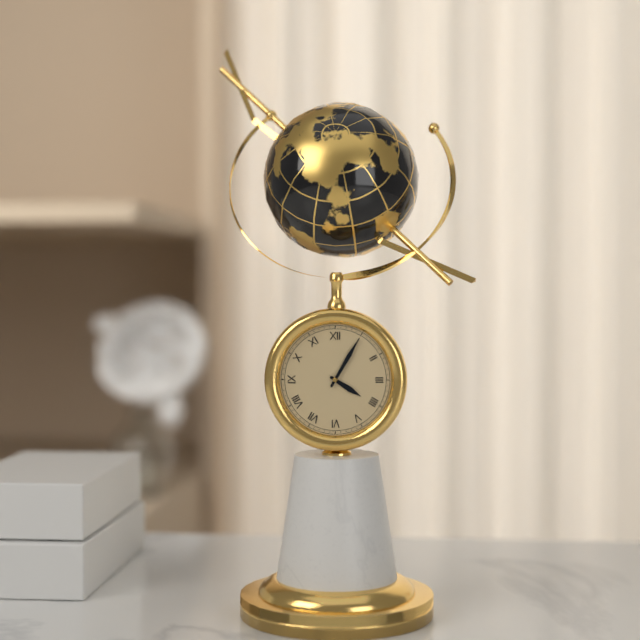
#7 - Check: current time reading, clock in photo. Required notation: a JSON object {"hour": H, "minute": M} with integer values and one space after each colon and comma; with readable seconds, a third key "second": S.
{"hour": 4, "minute": 5}
